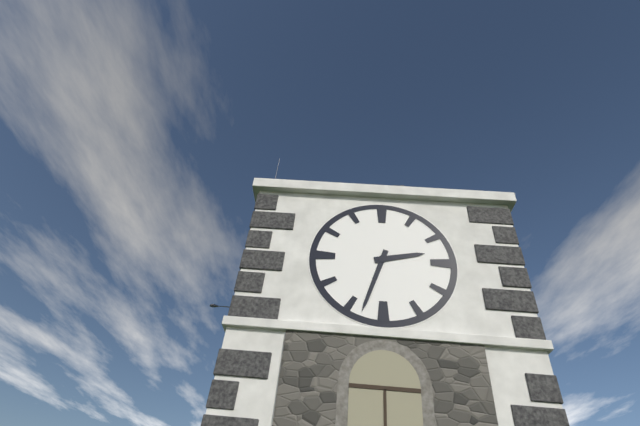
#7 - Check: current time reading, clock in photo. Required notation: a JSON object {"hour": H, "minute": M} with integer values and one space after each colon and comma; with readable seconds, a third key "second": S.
{"hour": 2, "minute": 33}
